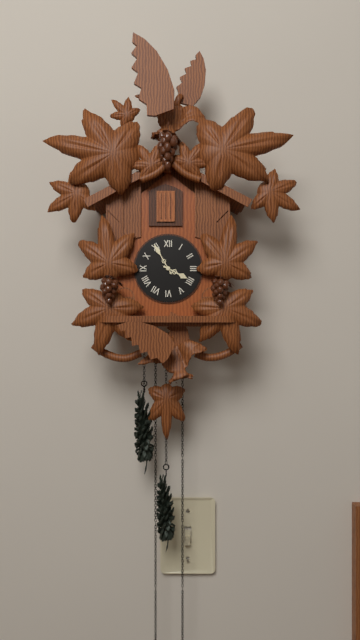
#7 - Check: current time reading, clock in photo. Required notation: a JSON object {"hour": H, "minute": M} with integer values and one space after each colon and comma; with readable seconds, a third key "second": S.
{"hour": 3, "minute": 55}
